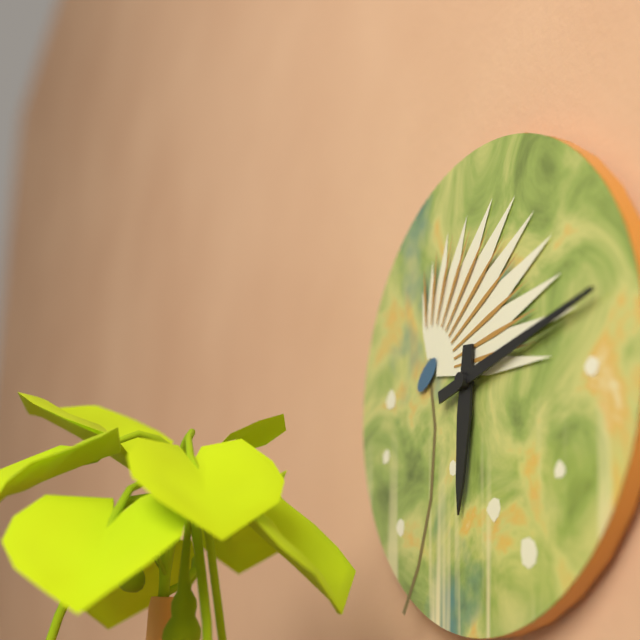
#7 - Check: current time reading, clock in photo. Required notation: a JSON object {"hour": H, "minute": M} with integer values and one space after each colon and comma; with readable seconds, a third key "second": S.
{"hour": 6, "minute": 13}
